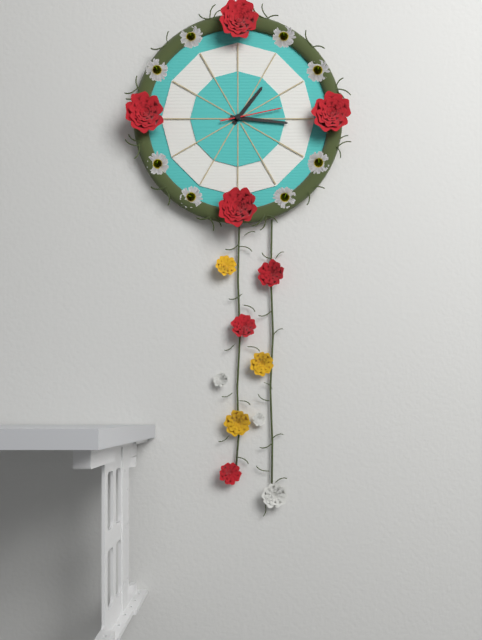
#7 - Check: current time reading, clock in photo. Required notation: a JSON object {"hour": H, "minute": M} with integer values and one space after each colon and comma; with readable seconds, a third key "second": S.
{"hour": 1, "minute": 16, "second": 13}
